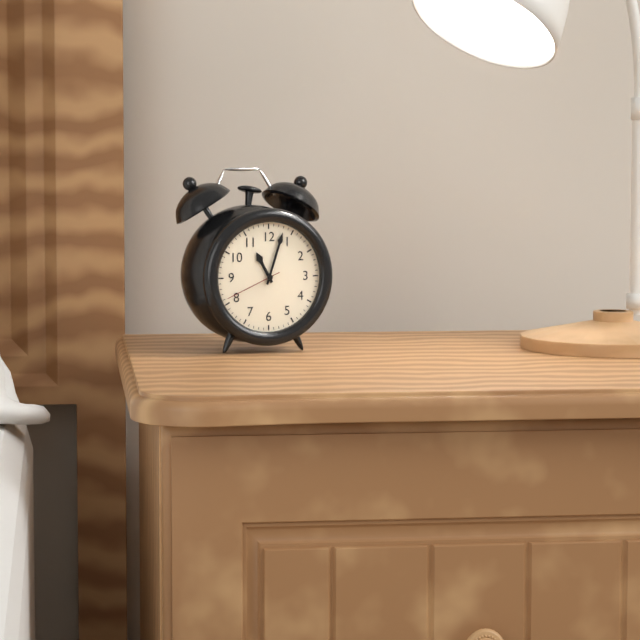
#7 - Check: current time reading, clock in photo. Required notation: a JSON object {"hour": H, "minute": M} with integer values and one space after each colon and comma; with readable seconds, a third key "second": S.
{"hour": 11, "minute": 3, "second": 41}
